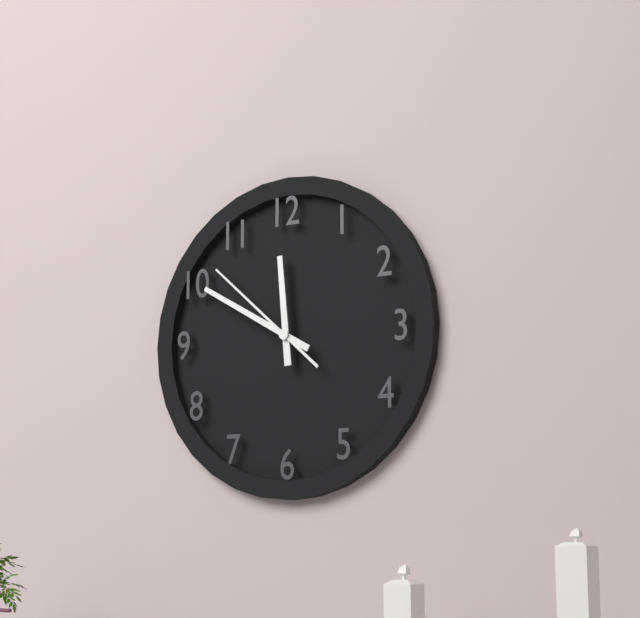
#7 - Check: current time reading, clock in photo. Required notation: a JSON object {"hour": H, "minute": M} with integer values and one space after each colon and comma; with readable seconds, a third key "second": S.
{"hour": 11, "minute": 50, "second": 52}
